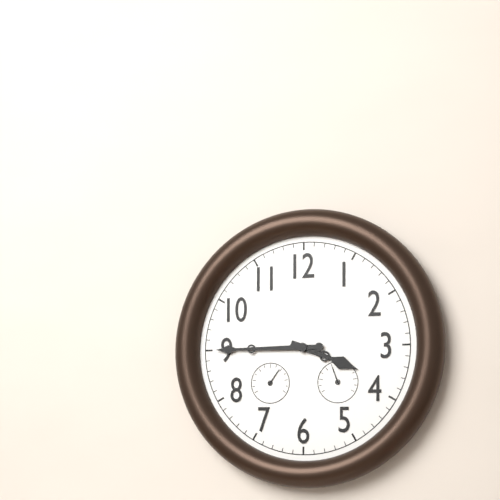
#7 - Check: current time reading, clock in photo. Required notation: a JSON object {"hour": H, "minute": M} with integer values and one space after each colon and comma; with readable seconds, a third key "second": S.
{"hour": 3, "minute": 45}
